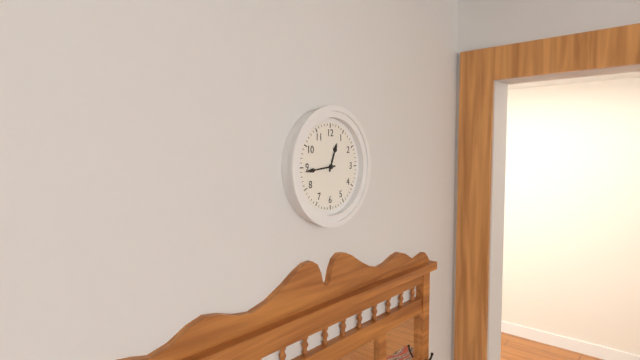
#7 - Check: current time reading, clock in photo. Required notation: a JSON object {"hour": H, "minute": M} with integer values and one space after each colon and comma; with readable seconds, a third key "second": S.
{"hour": 12, "minute": 44}
